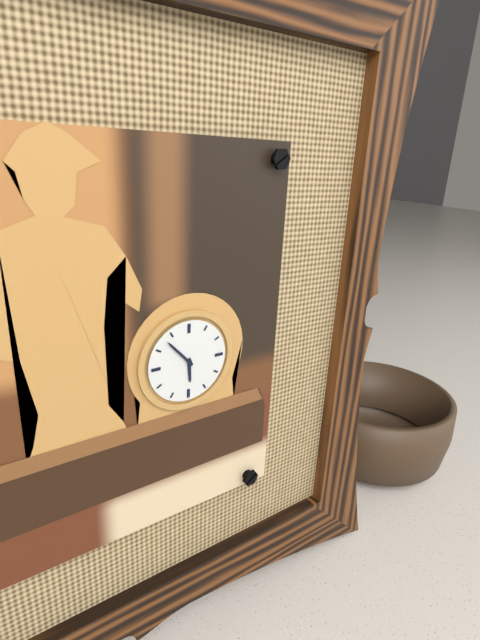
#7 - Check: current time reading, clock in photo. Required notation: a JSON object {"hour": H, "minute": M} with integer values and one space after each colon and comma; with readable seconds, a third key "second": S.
{"hour": 5, "minute": 53}
